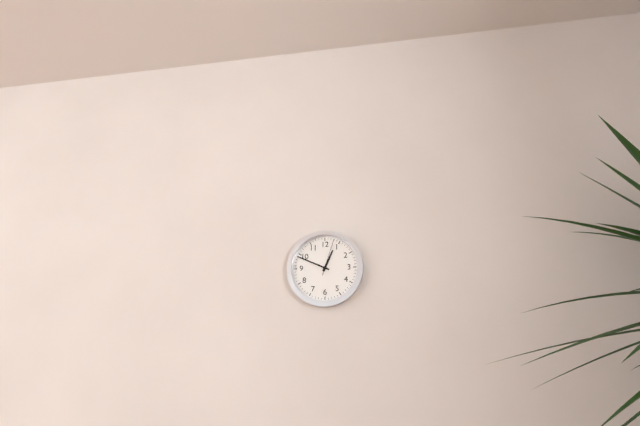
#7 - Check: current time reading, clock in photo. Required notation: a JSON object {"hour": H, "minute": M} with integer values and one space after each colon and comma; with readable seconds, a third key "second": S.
{"hour": 12, "minute": 49}
